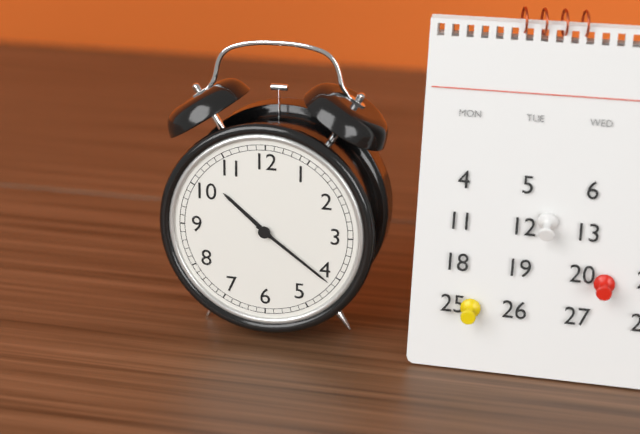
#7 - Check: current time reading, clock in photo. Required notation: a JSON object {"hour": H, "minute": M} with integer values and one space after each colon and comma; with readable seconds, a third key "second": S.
{"hour": 10, "minute": 21}
